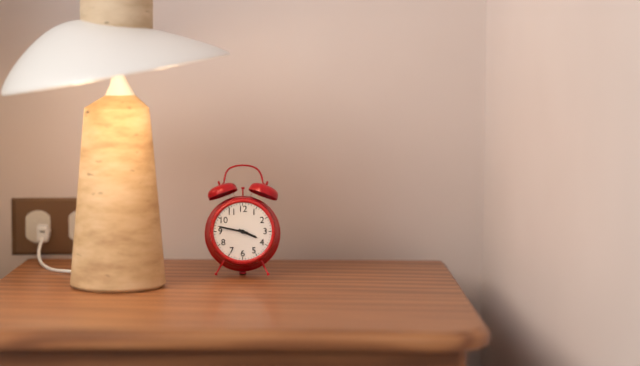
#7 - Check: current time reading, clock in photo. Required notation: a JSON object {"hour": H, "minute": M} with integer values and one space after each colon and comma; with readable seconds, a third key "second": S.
{"hour": 3, "minute": 47}
